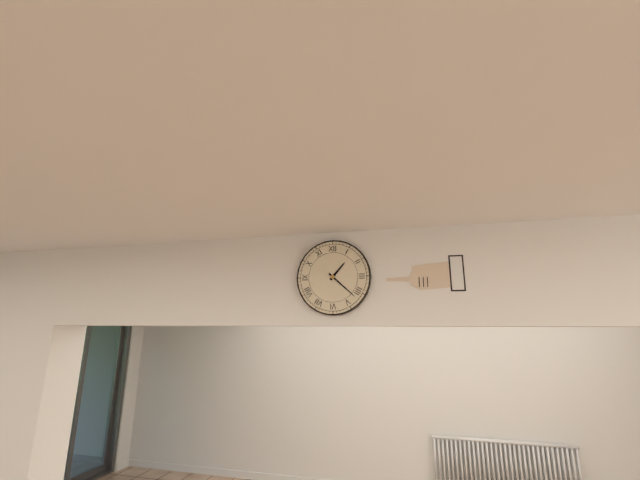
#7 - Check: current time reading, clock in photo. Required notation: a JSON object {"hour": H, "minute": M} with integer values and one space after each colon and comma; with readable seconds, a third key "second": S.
{"hour": 1, "minute": 22}
